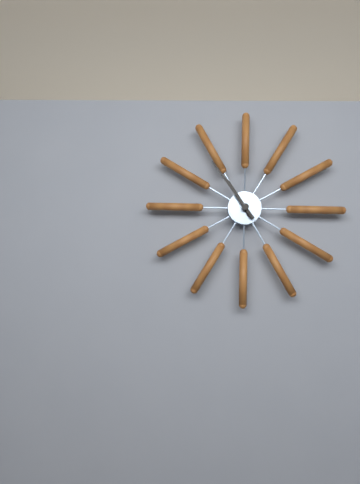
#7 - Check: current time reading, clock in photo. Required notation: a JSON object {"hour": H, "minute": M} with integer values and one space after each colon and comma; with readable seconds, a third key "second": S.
{"hour": 10, "minute": 54}
